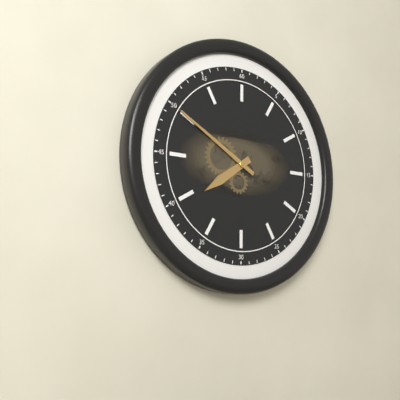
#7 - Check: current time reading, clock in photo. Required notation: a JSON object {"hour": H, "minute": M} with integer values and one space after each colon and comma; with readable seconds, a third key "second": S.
{"hour": 7, "minute": 50}
